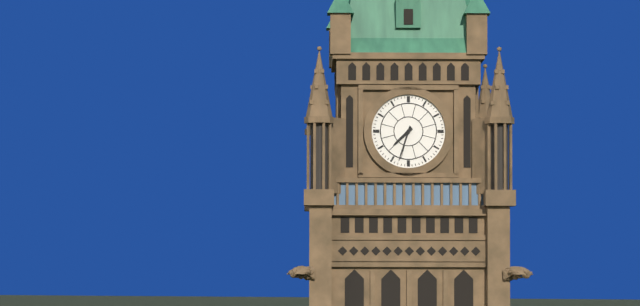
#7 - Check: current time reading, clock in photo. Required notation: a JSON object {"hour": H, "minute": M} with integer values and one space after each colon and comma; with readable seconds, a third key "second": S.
{"hour": 7, "minute": 33}
